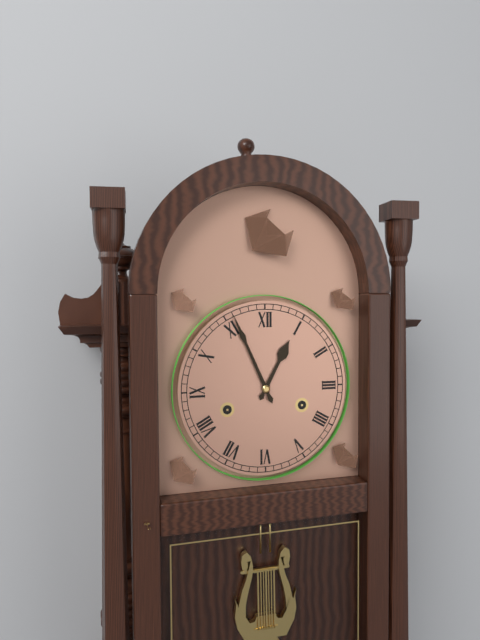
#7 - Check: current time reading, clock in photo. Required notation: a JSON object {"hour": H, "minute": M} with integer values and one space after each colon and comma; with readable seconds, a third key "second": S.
{"hour": 12, "minute": 56}
